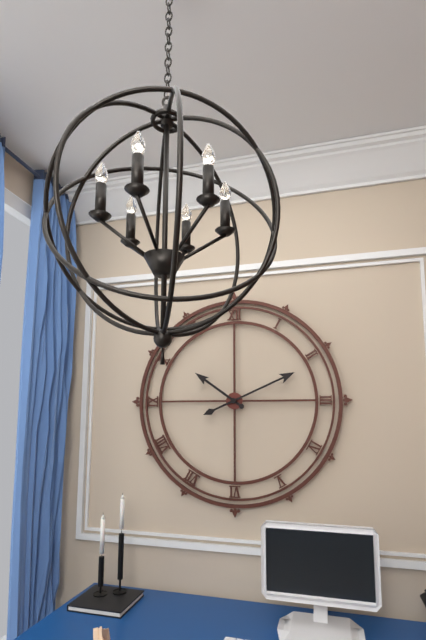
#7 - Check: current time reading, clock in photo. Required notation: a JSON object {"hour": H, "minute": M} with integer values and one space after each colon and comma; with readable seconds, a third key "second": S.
{"hour": 10, "minute": 11}
